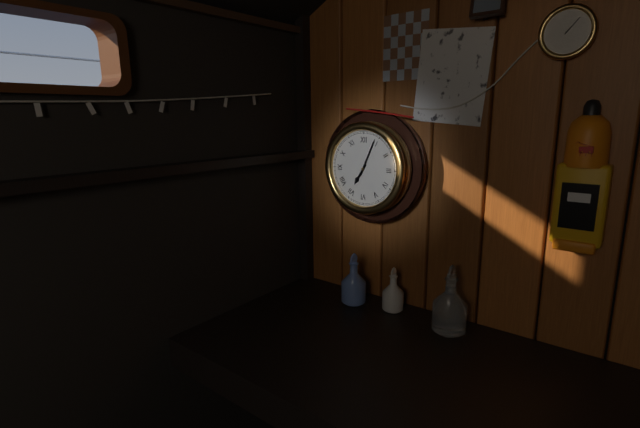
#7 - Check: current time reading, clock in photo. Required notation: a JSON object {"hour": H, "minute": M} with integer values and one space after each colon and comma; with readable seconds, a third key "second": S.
{"hour": 7, "minute": 4}
